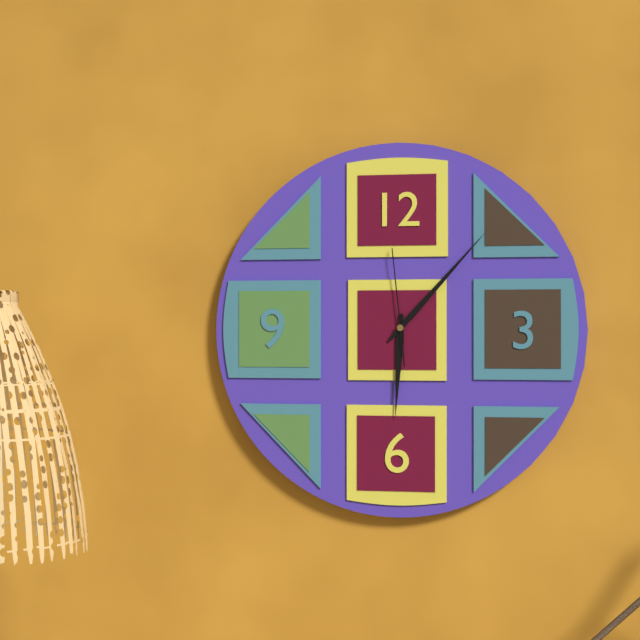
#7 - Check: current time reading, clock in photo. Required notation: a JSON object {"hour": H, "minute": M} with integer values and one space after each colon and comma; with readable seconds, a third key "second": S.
{"hour": 6, "minute": 7, "second": 59}
